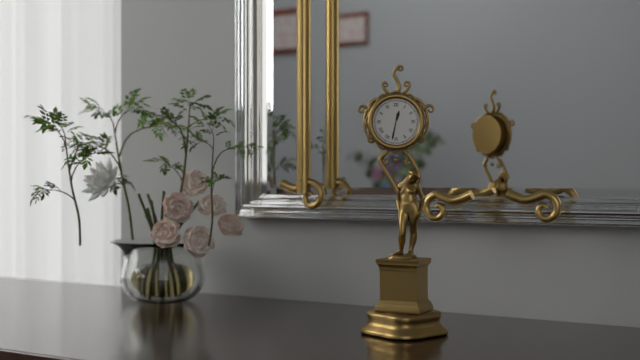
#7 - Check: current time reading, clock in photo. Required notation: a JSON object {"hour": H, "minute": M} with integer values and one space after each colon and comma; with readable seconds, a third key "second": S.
{"hour": 12, "minute": 32}
